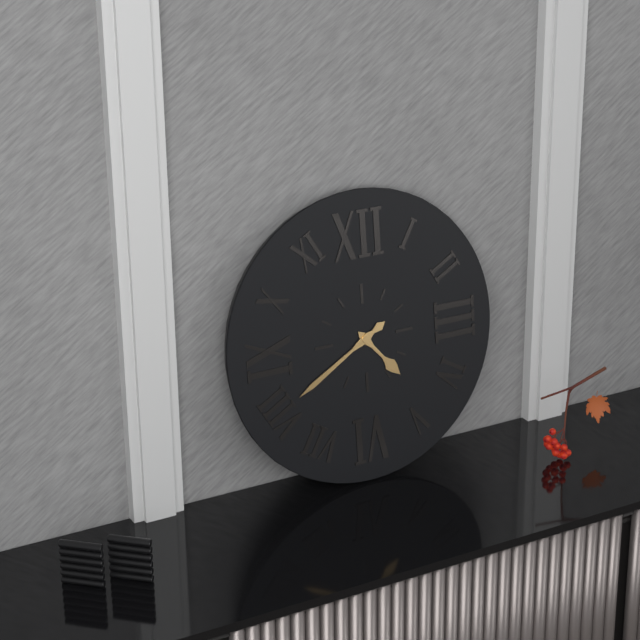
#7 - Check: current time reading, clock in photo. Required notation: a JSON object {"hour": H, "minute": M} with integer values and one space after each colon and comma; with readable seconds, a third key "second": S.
{"hour": 4, "minute": 40}
